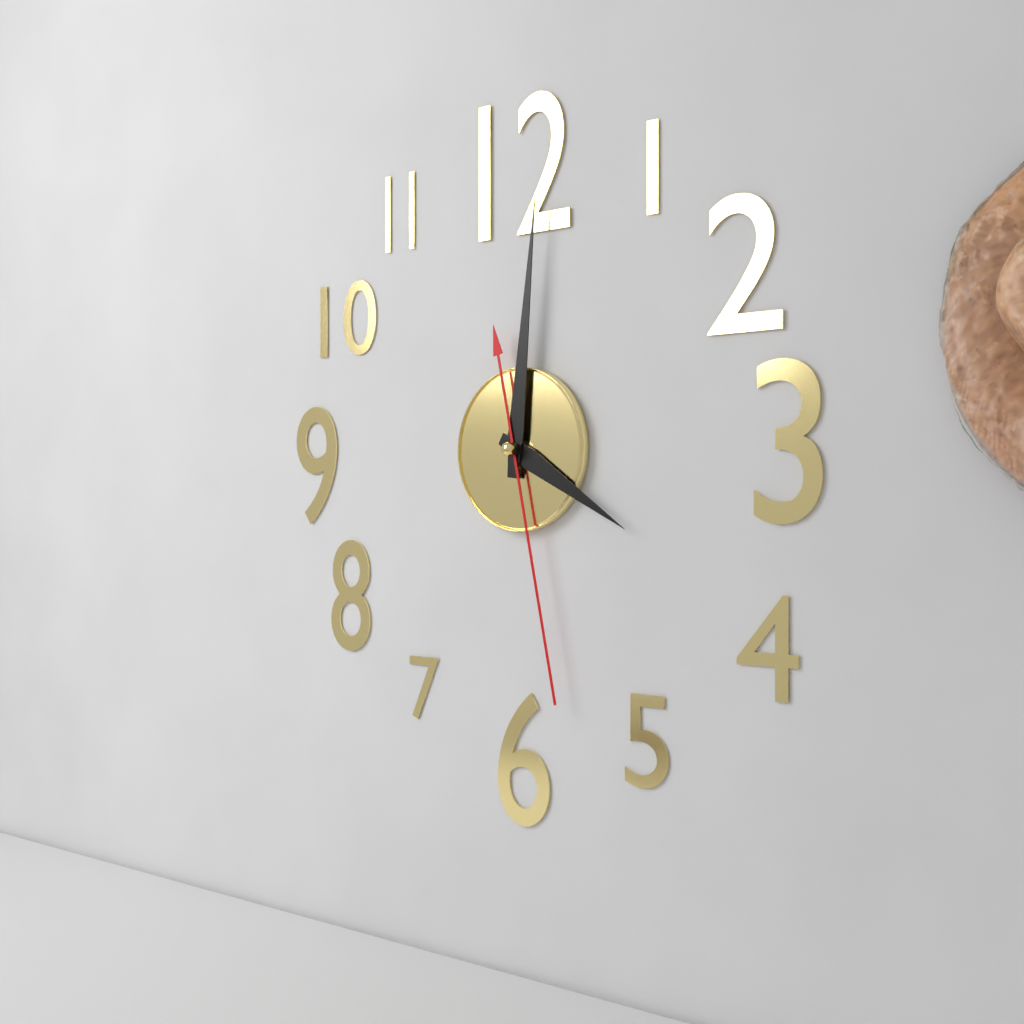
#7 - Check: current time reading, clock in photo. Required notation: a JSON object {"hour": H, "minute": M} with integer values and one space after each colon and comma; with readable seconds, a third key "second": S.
{"hour": 4, "minute": 1, "second": 28}
